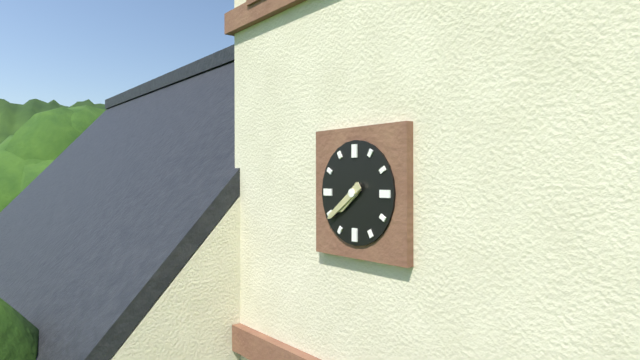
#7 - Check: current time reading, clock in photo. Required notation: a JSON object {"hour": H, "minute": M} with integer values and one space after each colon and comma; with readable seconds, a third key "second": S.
{"hour": 7, "minute": 39}
